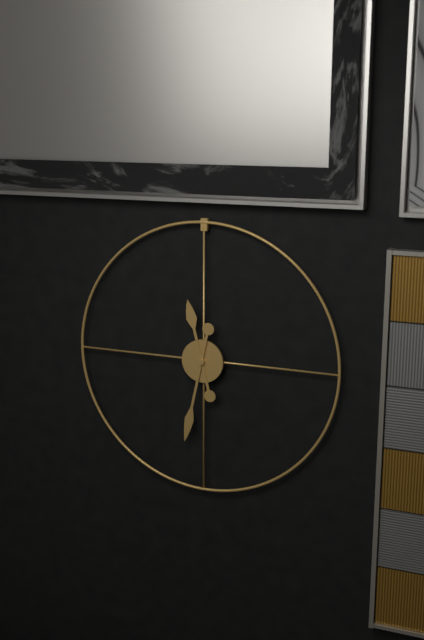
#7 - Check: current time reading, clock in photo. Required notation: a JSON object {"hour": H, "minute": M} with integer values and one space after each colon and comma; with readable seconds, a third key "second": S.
{"hour": 11, "minute": 32}
